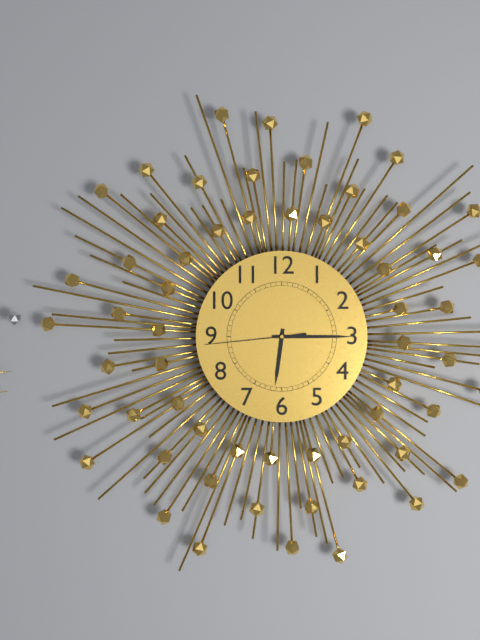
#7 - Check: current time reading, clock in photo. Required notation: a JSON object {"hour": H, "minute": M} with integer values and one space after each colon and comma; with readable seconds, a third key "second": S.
{"hour": 6, "minute": 15, "second": 44}
